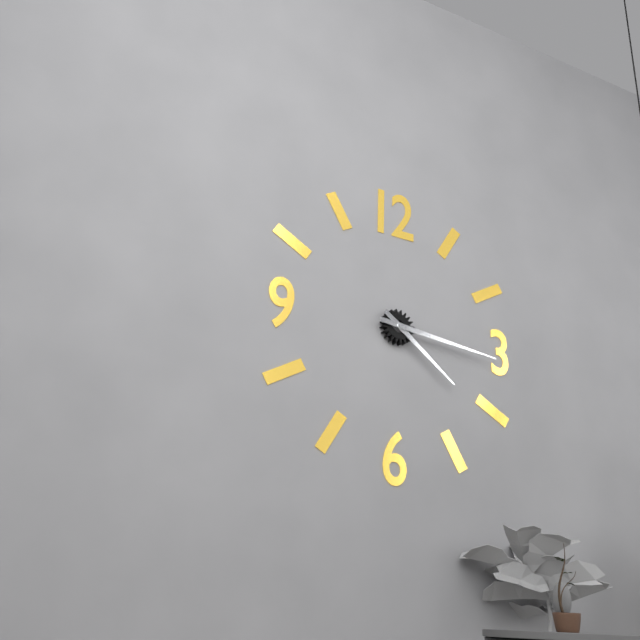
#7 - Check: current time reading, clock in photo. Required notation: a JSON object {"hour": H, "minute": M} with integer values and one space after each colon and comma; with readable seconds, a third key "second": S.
{"hour": 4, "minute": 16}
